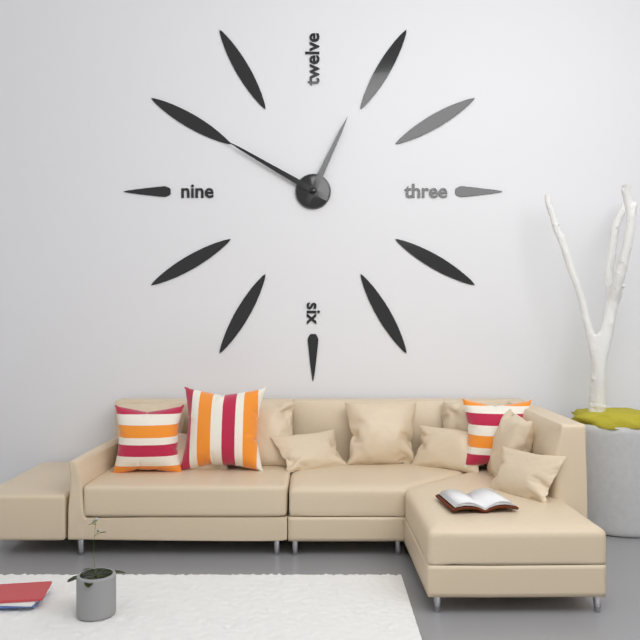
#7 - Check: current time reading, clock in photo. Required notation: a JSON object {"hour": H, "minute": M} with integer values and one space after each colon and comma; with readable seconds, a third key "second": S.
{"hour": 12, "minute": 50}
